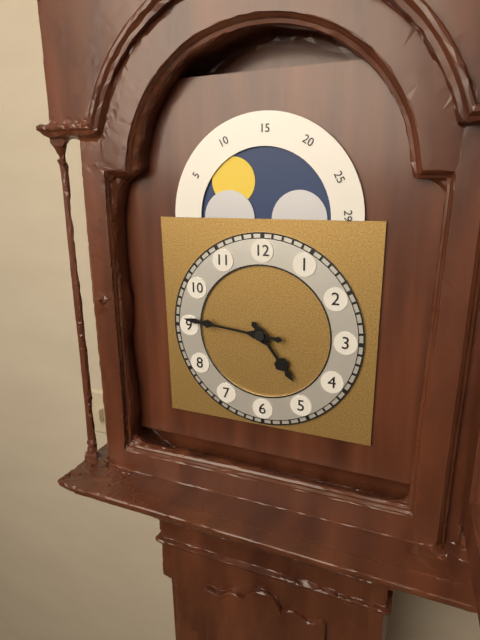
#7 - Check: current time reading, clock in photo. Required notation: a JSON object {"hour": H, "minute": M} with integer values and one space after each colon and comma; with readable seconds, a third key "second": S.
{"hour": 4, "minute": 46}
